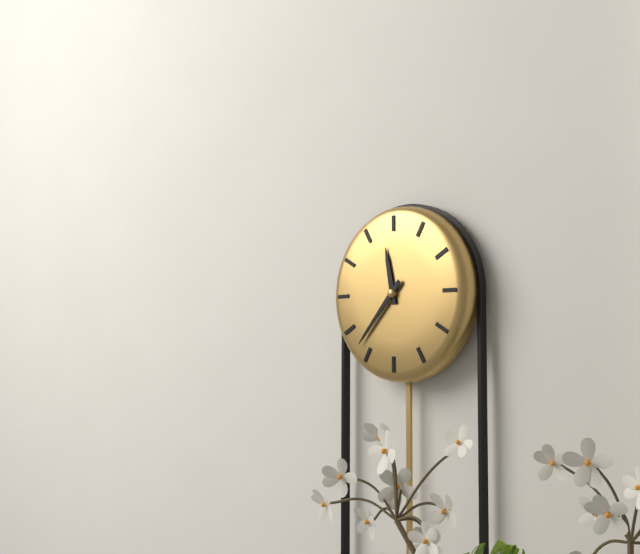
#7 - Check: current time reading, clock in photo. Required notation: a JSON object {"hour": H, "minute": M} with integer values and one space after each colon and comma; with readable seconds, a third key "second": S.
{"hour": 11, "minute": 37}
